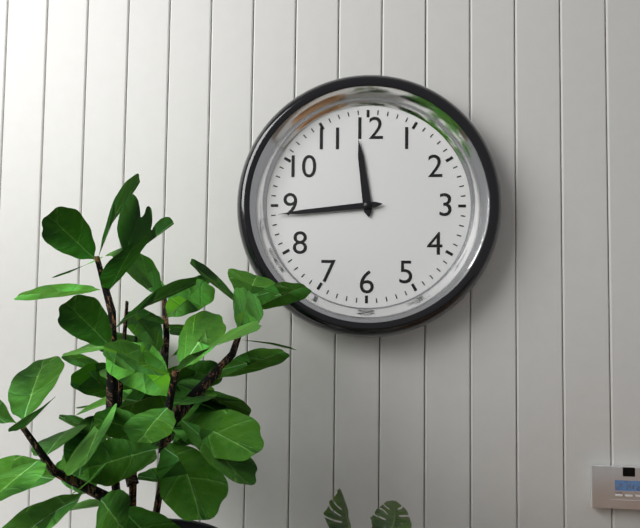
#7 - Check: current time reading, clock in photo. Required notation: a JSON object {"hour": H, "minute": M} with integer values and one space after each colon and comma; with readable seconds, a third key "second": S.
{"hour": 11, "minute": 44}
